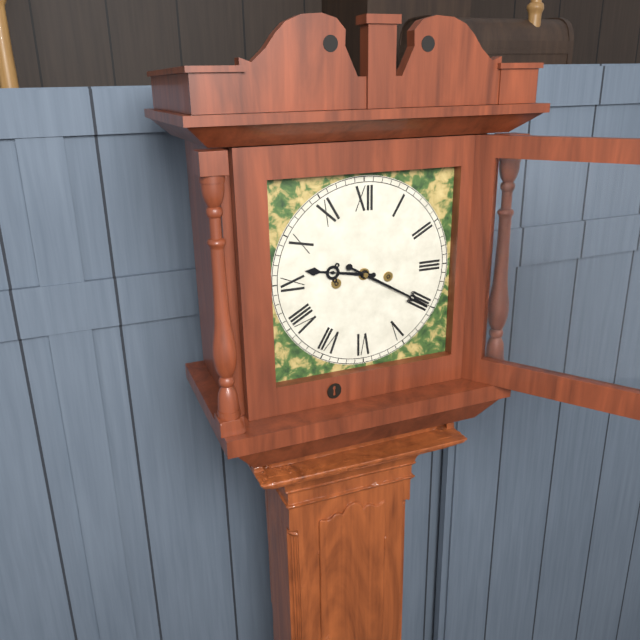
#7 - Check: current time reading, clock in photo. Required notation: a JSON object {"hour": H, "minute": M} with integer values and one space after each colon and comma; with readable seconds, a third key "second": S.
{"hour": 9, "minute": 20}
